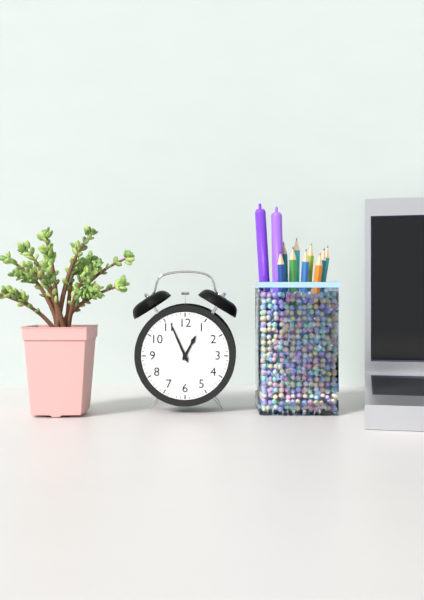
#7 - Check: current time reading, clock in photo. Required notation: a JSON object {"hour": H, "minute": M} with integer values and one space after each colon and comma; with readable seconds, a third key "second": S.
{"hour": 12, "minute": 56}
